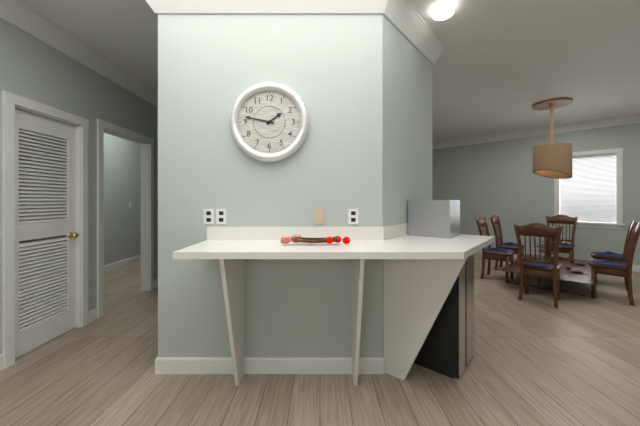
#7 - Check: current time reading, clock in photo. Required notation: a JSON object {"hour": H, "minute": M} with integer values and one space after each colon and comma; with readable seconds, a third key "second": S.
{"hour": 1, "minute": 47}
